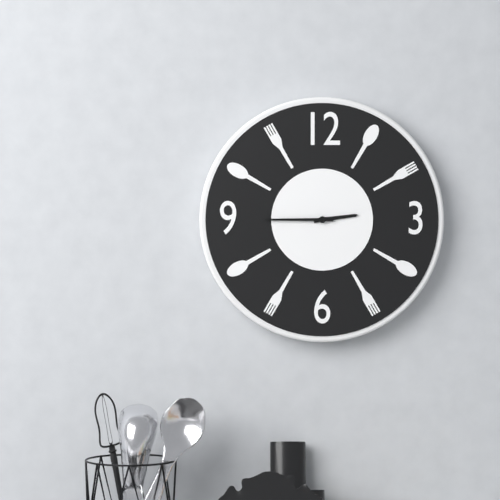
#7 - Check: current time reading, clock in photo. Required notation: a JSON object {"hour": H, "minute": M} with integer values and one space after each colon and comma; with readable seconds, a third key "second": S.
{"hour": 2, "minute": 45}
